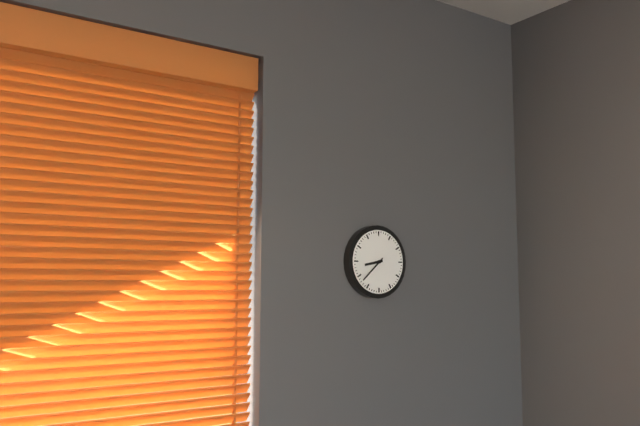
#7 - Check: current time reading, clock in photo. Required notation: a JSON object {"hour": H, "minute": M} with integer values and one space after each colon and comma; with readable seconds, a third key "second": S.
{"hour": 8, "minute": 38}
